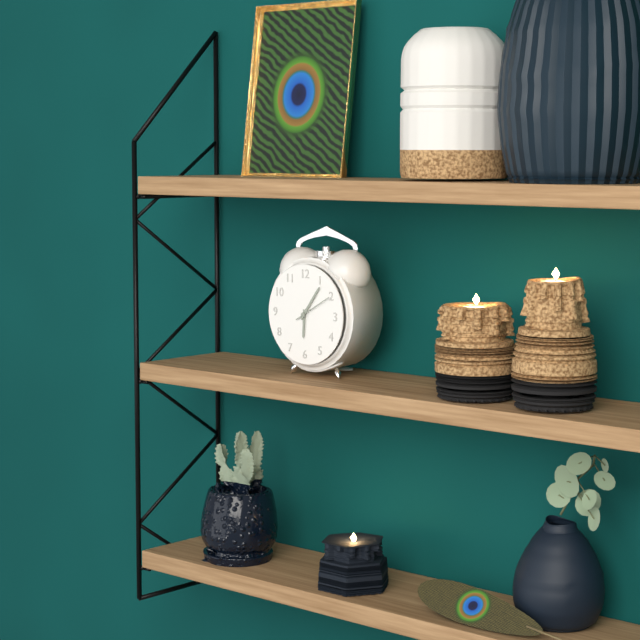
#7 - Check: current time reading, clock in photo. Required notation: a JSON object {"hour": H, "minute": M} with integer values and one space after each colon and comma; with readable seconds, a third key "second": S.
{"hour": 6, "minute": 6}
